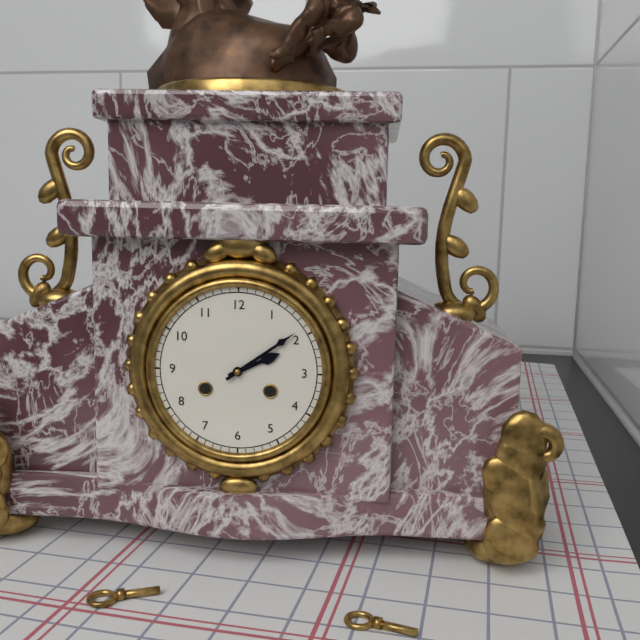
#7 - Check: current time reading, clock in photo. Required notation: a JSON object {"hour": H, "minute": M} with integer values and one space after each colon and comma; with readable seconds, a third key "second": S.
{"hour": 2, "minute": 9}
